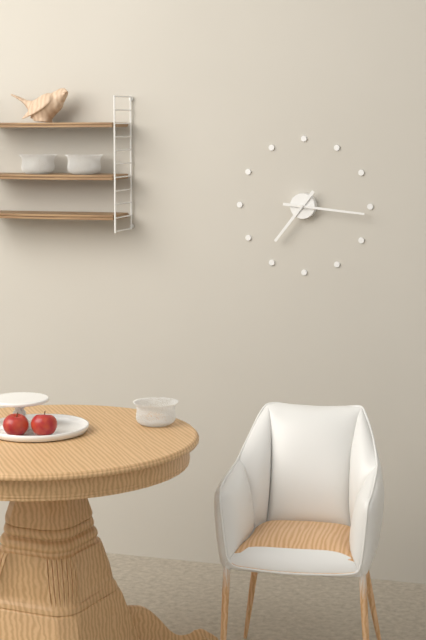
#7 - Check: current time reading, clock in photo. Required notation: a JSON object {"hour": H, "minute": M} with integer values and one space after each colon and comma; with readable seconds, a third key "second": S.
{"hour": 7, "minute": 16}
